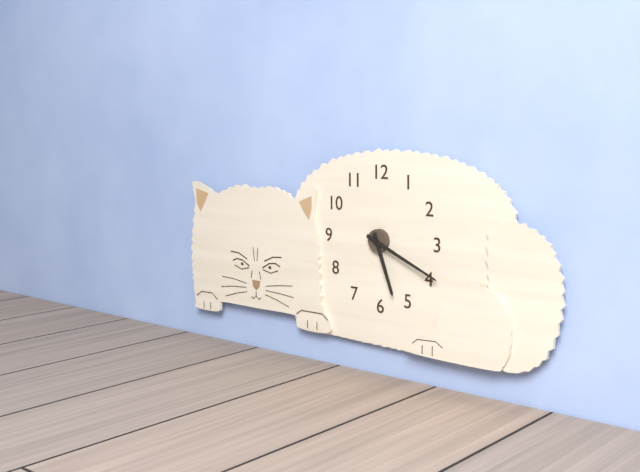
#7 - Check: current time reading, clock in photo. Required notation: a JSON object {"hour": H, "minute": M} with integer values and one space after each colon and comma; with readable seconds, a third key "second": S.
{"hour": 5, "minute": 19}
